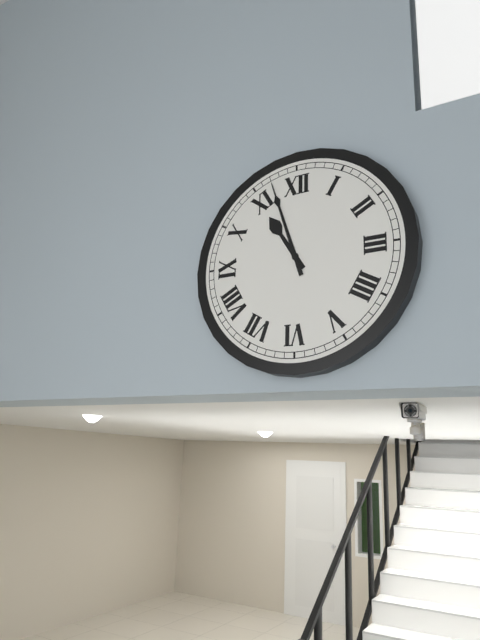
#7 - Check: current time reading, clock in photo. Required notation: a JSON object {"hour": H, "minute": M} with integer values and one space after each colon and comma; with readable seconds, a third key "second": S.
{"hour": 10, "minute": 57}
